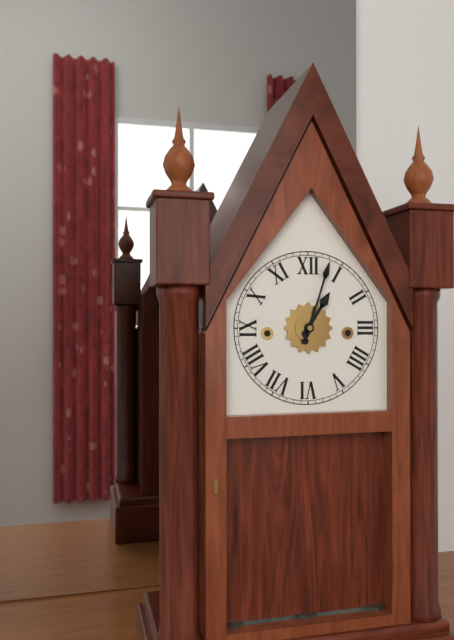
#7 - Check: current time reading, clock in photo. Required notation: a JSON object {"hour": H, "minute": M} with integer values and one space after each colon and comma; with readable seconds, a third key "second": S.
{"hour": 1, "minute": 3}
